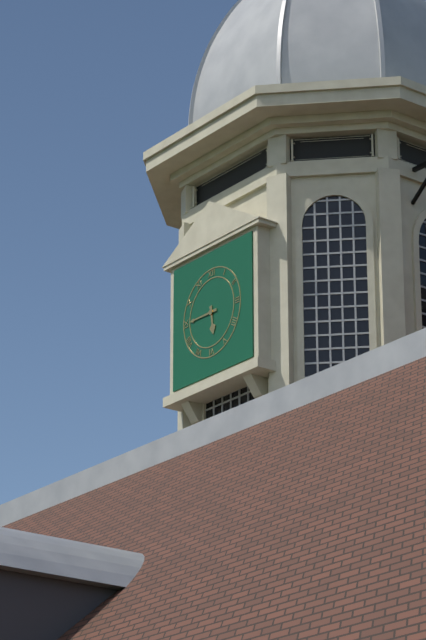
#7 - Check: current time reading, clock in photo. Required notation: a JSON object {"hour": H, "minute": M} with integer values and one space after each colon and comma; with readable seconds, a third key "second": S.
{"hour": 5, "minute": 45}
